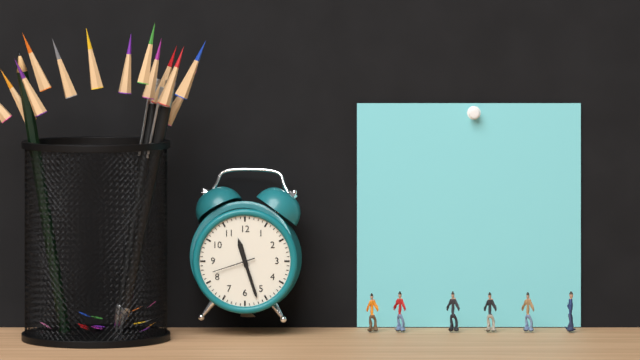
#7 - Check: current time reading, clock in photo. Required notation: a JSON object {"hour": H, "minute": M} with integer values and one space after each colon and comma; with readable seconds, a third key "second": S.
{"hour": 11, "minute": 27}
